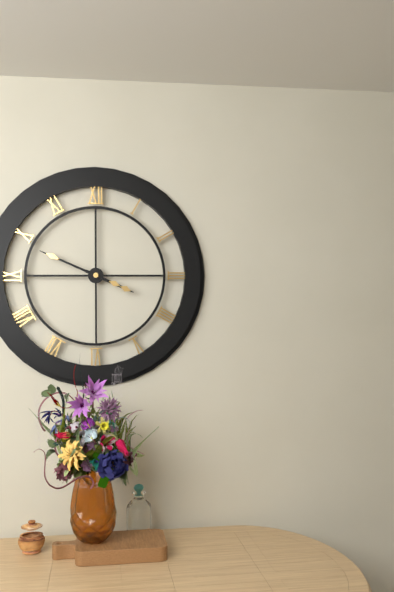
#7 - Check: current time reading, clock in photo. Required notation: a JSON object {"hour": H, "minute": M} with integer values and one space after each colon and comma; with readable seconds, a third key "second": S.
{"hour": 3, "minute": 49}
